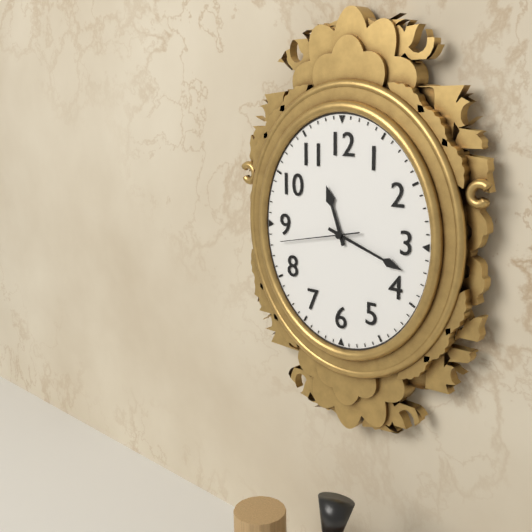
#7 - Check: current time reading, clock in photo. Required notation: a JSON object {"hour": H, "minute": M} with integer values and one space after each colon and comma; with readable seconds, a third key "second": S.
{"hour": 11, "minute": 18, "second": 43}
